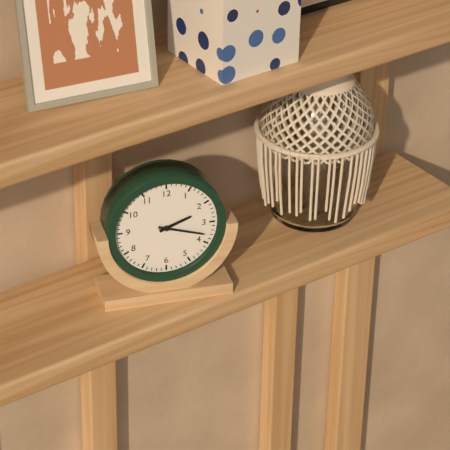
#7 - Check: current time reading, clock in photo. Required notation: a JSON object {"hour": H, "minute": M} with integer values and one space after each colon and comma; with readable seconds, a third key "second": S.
{"hour": 2, "minute": 18}
